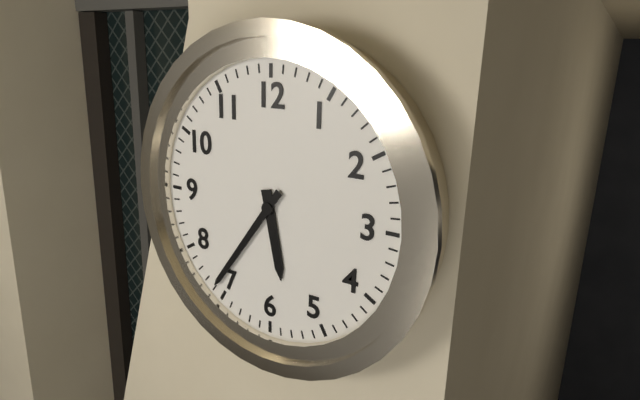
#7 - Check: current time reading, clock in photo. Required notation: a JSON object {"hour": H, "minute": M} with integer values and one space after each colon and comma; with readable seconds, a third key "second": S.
{"hour": 5, "minute": 36}
